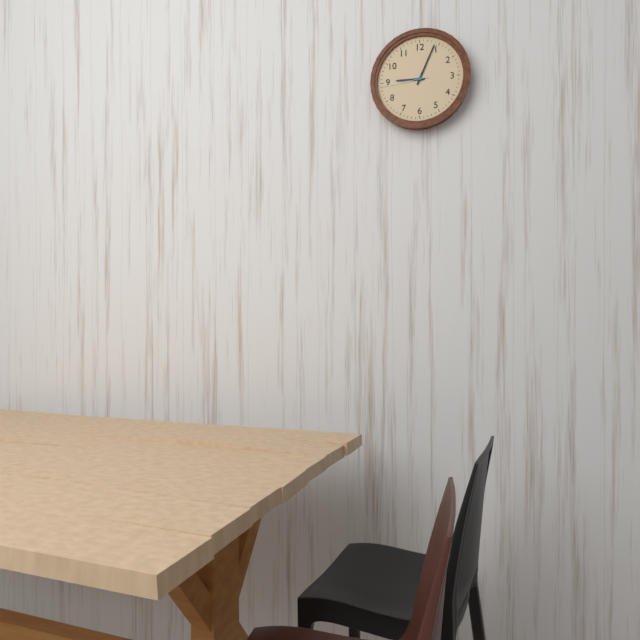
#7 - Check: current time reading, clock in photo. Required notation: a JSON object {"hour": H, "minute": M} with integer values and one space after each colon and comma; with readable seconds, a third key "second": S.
{"hour": 9, "minute": 4}
